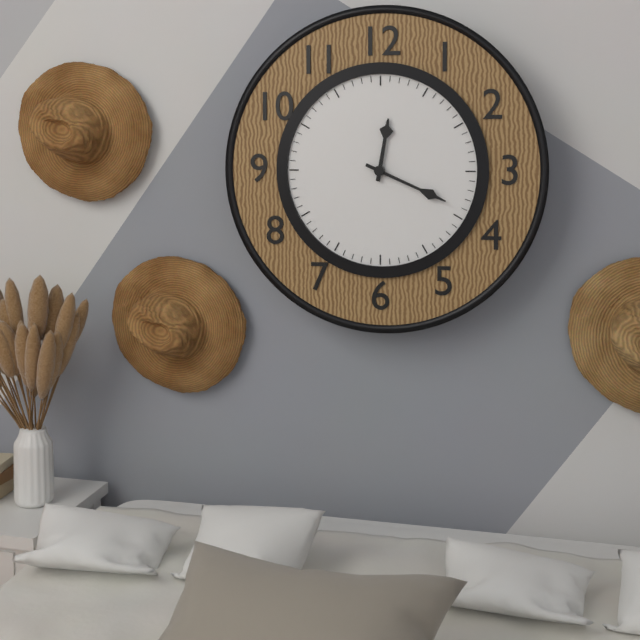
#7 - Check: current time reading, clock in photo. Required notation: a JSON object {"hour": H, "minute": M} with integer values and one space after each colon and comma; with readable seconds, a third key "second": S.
{"hour": 12, "minute": 19}
